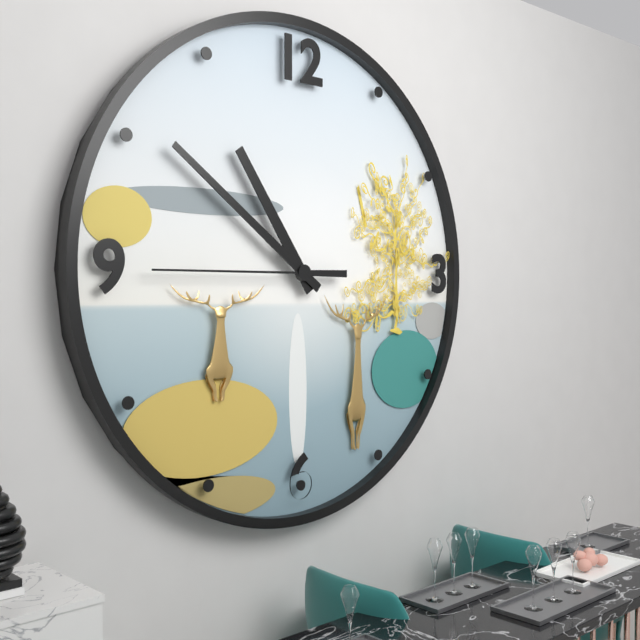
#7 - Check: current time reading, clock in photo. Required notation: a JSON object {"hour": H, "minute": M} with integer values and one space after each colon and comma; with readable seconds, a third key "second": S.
{"hour": 10, "minute": 51, "second": 45}
